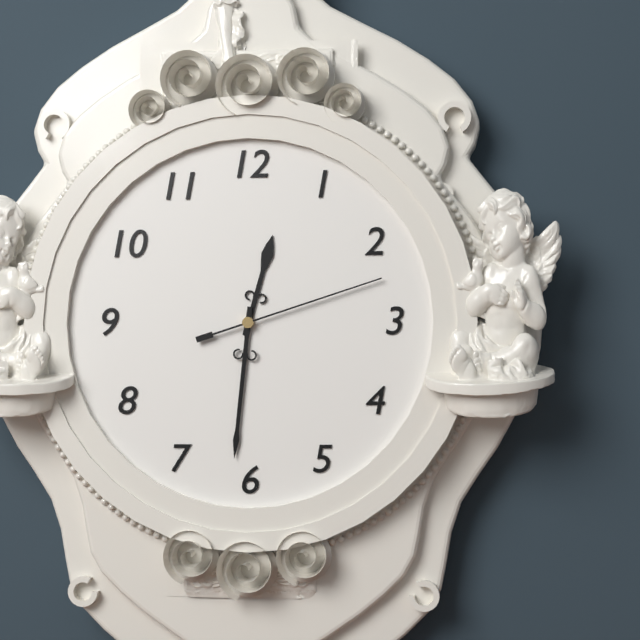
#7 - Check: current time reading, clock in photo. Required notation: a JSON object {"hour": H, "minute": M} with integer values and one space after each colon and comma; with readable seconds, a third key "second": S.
{"hour": 12, "minute": 31, "second": 12}
